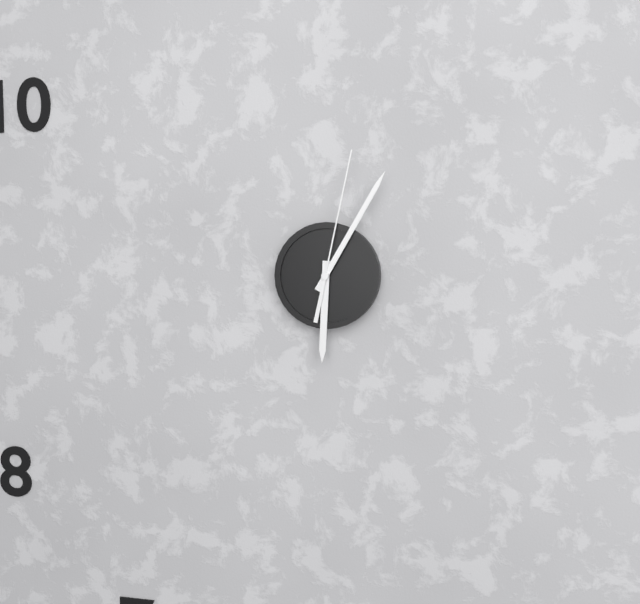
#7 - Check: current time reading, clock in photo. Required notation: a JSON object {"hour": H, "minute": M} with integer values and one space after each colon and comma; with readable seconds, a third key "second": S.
{"hour": 6, "minute": 5, "second": 2}
